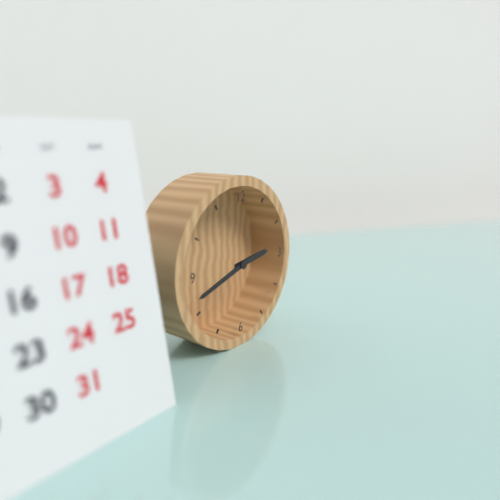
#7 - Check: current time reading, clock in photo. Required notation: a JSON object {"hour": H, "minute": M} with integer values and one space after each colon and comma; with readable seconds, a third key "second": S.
{"hour": 2, "minute": 42}
